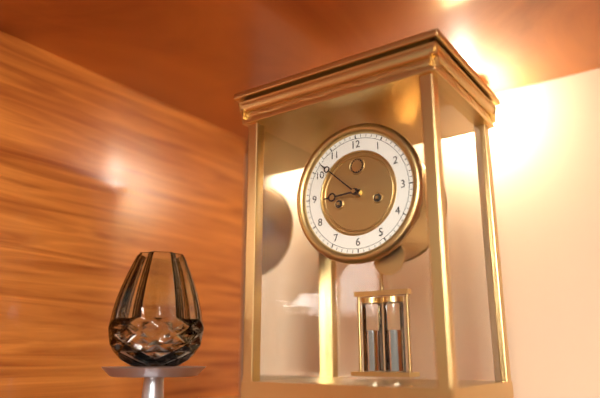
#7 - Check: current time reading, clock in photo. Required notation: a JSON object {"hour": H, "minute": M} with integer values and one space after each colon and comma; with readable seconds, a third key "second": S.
{"hour": 8, "minute": 52}
